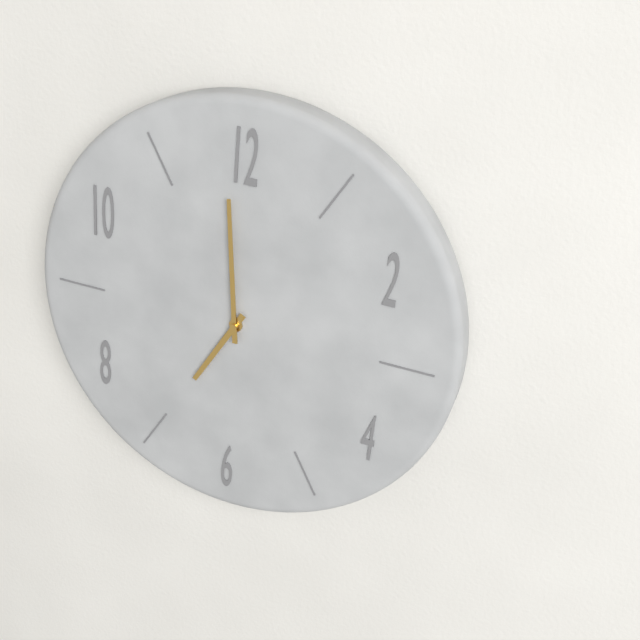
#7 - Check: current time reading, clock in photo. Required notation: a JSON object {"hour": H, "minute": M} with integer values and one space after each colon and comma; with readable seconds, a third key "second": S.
{"hour": 6, "minute": 59}
